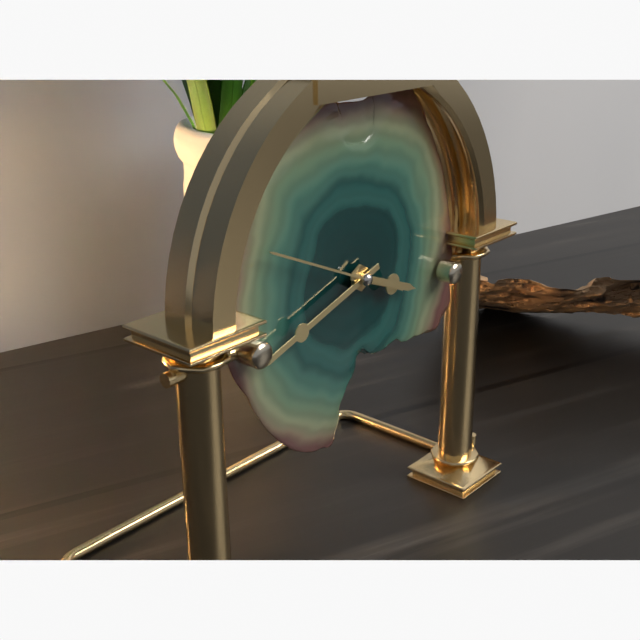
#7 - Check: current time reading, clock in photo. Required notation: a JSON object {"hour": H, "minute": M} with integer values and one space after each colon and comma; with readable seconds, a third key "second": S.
{"hour": 3, "minute": 42, "second": 49}
